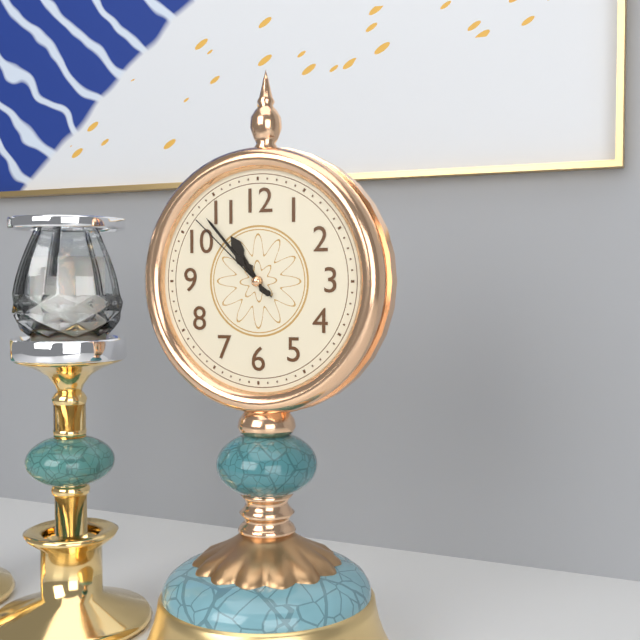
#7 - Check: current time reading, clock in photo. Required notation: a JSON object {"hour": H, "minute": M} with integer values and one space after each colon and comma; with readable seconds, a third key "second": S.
{"hour": 10, "minute": 53, "second": 52}
